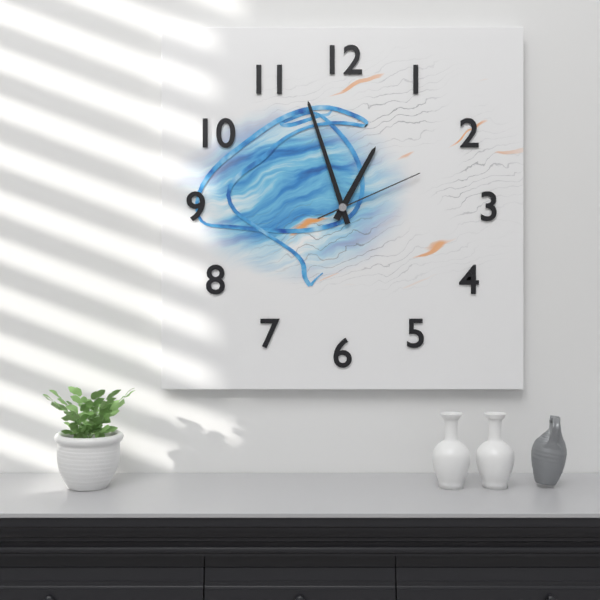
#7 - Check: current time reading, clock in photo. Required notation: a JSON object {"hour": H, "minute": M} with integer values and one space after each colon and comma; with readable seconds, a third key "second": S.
{"hour": 12, "minute": 57, "second": 11}
